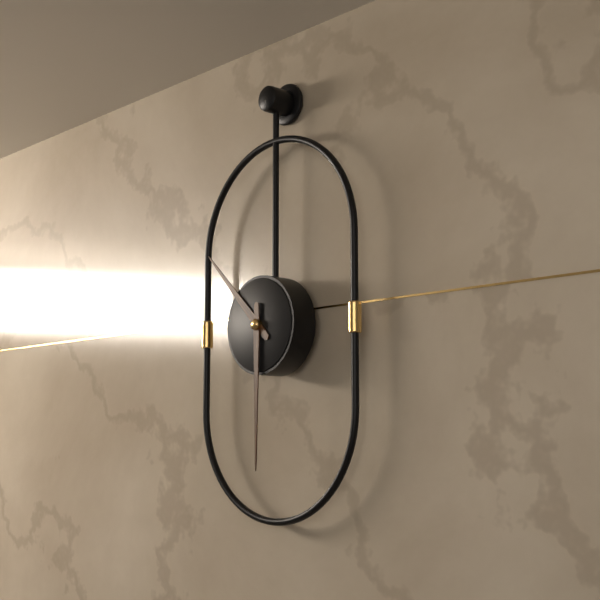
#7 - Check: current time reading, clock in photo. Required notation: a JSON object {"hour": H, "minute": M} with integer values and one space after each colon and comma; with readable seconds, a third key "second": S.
{"hour": 10, "minute": 30}
